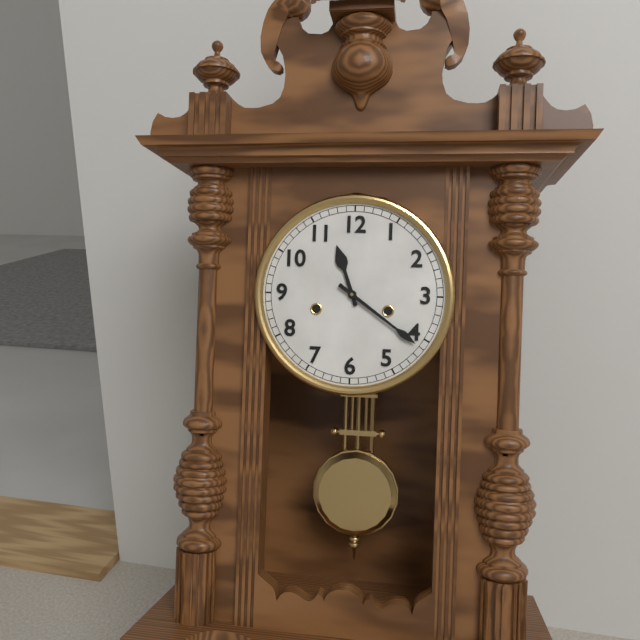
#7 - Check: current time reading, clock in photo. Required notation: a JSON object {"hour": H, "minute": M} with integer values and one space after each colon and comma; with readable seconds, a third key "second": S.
{"hour": 11, "minute": 21}
